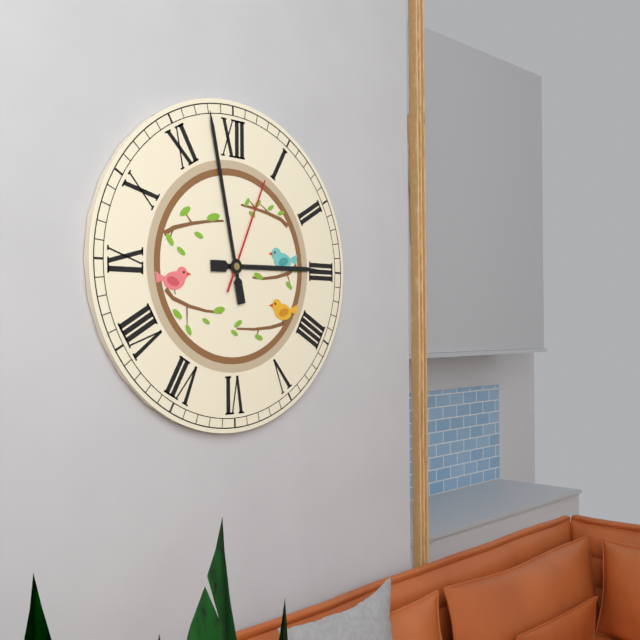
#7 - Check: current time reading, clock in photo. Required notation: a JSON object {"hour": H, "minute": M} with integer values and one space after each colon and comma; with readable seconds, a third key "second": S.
{"hour": 2, "minute": 58, "second": 4}
